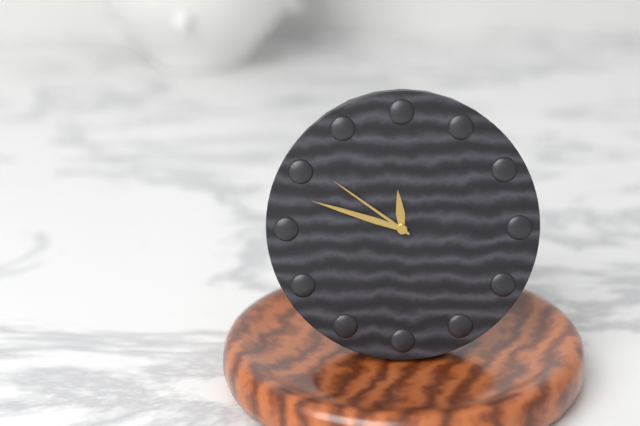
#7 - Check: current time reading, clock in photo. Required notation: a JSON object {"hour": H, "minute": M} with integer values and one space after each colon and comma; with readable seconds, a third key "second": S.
{"hour": 11, "minute": 48, "second": 51}
